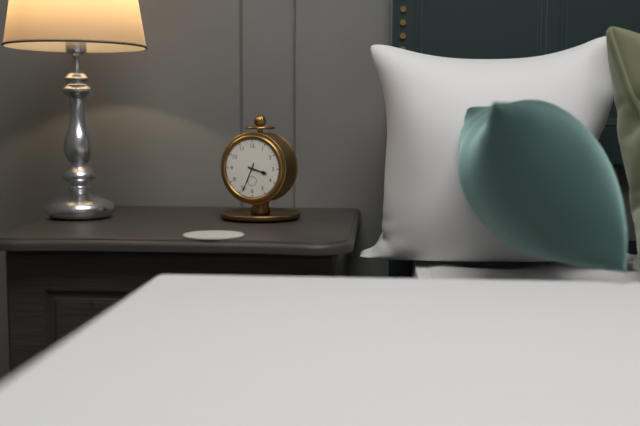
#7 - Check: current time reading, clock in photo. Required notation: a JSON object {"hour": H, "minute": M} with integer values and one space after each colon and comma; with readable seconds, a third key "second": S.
{"hour": 3, "minute": 34}
